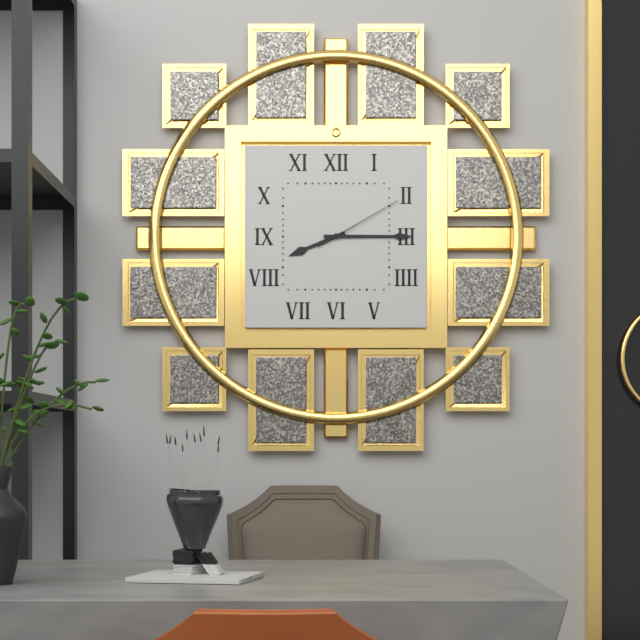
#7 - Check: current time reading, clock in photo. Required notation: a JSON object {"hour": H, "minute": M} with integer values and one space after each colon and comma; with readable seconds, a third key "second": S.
{"hour": 8, "minute": 15, "second": 10}
